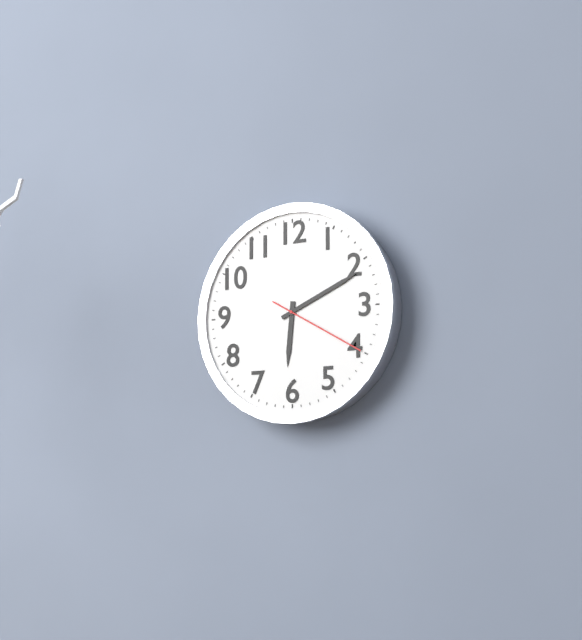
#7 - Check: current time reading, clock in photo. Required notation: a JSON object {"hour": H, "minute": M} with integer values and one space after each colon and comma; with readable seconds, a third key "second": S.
{"hour": 6, "minute": 11, "second": 20}
